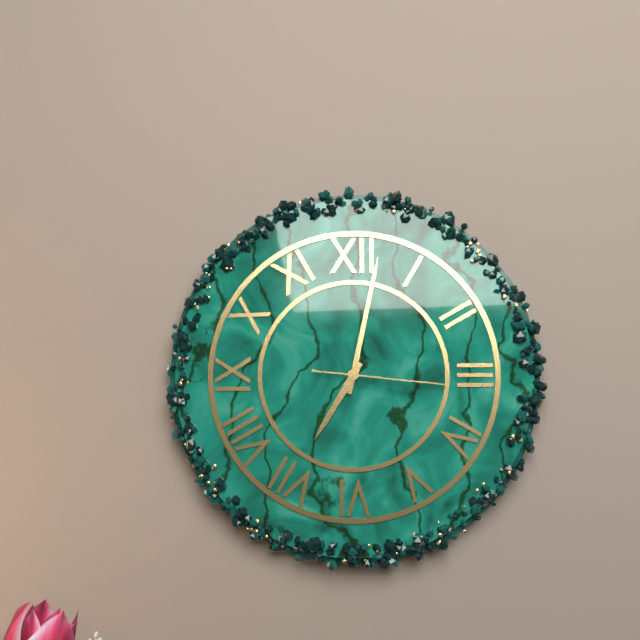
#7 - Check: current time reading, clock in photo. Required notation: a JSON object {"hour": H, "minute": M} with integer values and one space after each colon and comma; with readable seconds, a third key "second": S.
{"hour": 7, "minute": 2, "second": 16}
